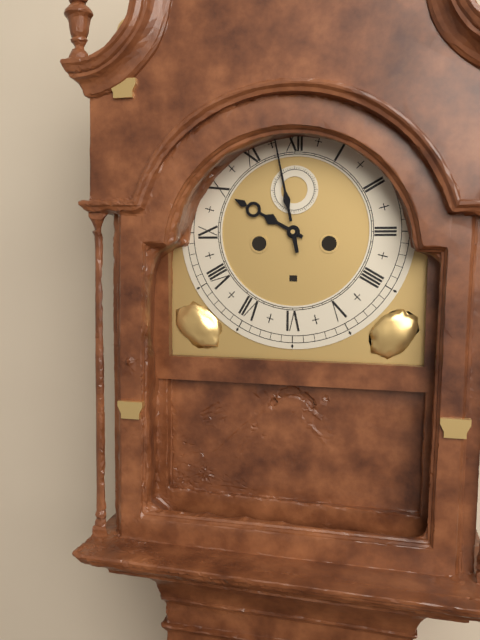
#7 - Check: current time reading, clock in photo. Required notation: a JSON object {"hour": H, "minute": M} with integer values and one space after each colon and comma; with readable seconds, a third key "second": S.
{"hour": 9, "minute": 58}
